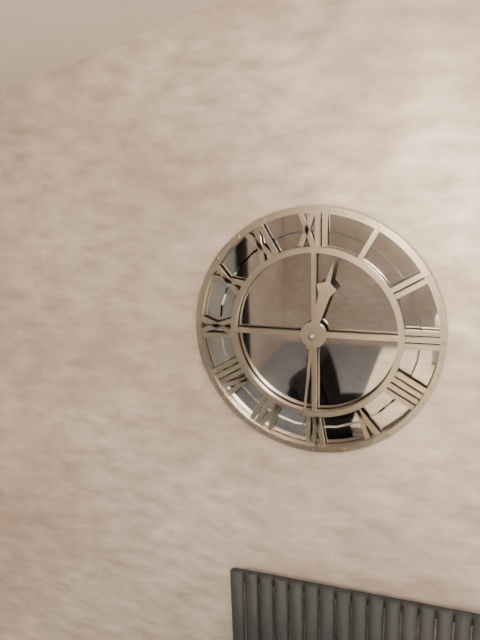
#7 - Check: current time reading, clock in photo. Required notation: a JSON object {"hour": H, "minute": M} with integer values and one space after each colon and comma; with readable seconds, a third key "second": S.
{"hour": 12, "minute": 31}
